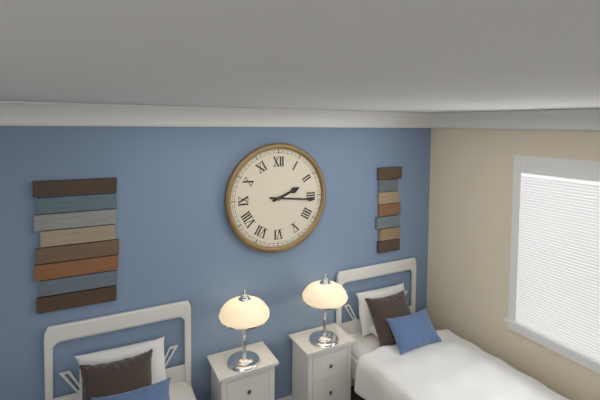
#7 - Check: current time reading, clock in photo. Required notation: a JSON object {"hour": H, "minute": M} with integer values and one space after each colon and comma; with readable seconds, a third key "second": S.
{"hour": 2, "minute": 16}
